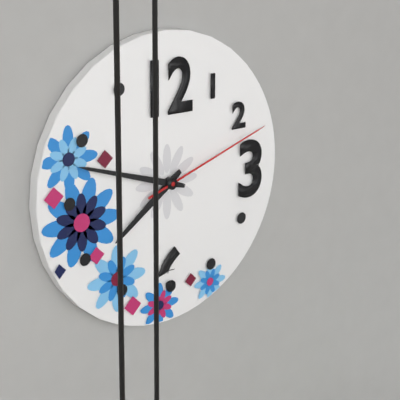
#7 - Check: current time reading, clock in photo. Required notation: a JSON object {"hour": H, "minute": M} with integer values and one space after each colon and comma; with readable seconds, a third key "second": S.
{"hour": 7, "minute": 48, "second": 12}
